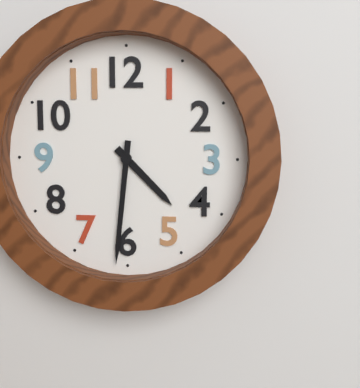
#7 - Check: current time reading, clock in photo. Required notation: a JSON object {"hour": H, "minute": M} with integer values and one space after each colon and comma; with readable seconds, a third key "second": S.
{"hour": 4, "minute": 31}
